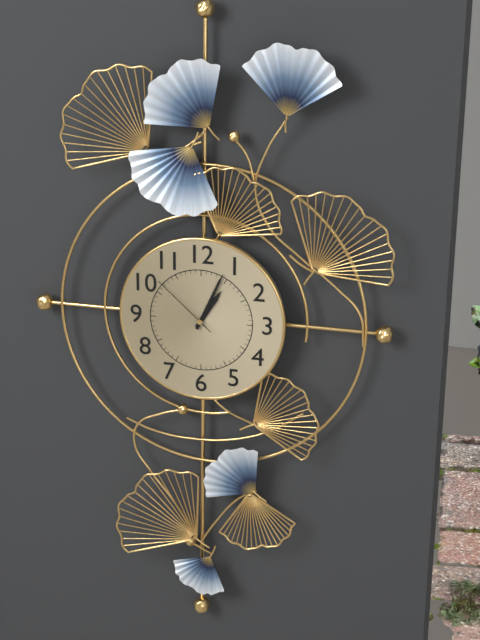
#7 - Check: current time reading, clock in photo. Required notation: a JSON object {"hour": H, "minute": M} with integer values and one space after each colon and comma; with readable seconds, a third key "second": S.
{"hour": 1, "minute": 4, "second": 52}
